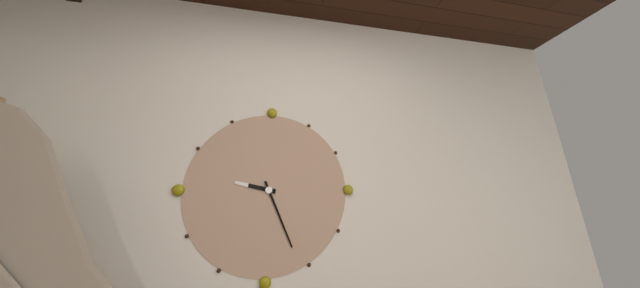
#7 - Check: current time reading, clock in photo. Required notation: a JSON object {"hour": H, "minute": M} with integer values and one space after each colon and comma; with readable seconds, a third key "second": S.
{"hour": 9, "minute": 26}
